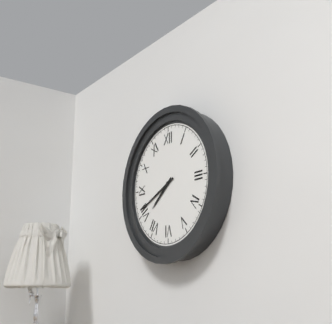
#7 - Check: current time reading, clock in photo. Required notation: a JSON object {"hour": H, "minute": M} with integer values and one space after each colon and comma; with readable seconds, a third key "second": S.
{"hour": 7, "minute": 41}
